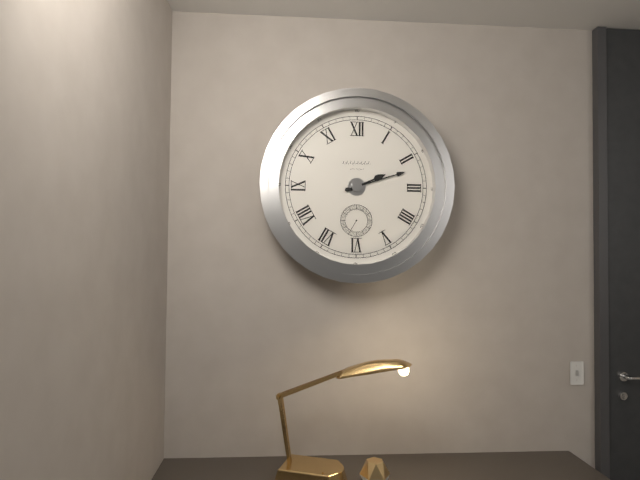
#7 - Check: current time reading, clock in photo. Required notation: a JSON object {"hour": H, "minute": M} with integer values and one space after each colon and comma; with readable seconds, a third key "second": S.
{"hour": 2, "minute": 12}
